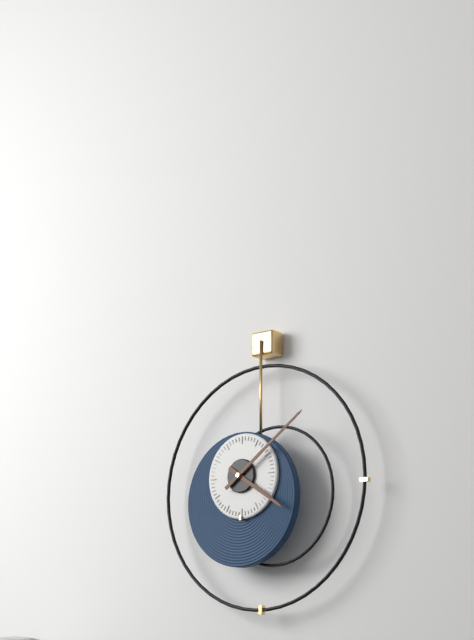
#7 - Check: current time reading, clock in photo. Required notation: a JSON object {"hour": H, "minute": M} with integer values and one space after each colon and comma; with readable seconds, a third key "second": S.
{"hour": 4, "minute": 9}
